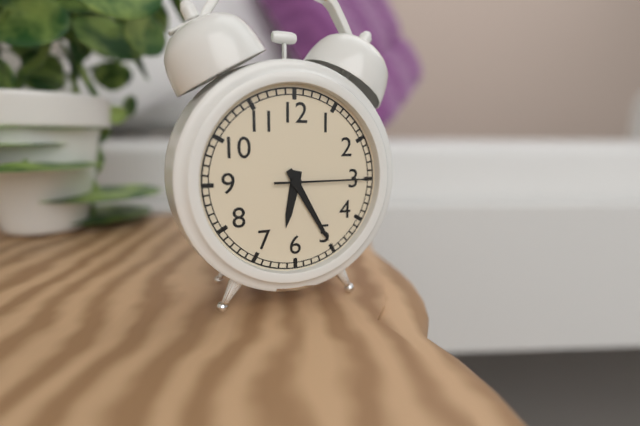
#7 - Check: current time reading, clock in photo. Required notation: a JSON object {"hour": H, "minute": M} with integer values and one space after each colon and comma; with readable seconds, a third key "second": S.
{"hour": 6, "minute": 25, "second": 15}
